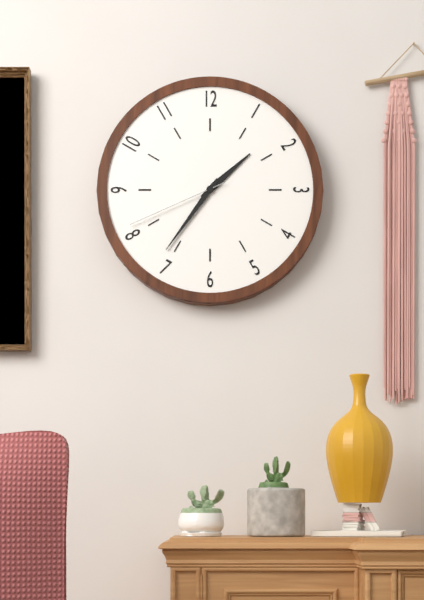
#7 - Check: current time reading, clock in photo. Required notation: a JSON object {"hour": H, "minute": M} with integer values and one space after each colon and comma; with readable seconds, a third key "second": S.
{"hour": 1, "minute": 36, "second": 41}
